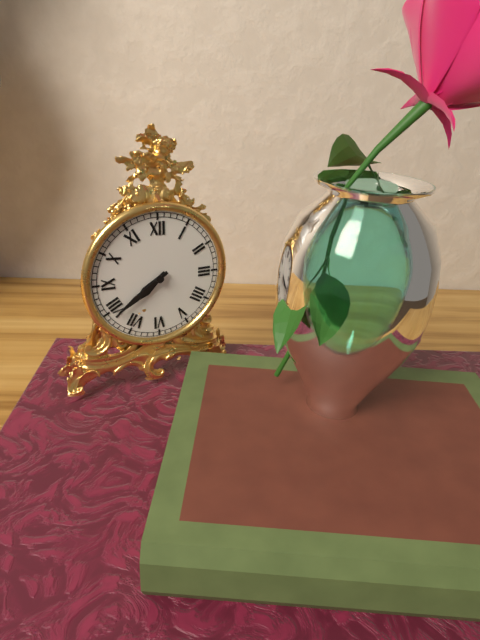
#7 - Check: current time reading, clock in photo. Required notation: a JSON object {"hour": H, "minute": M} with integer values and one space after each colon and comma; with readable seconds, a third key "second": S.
{"hour": 7, "minute": 39}
